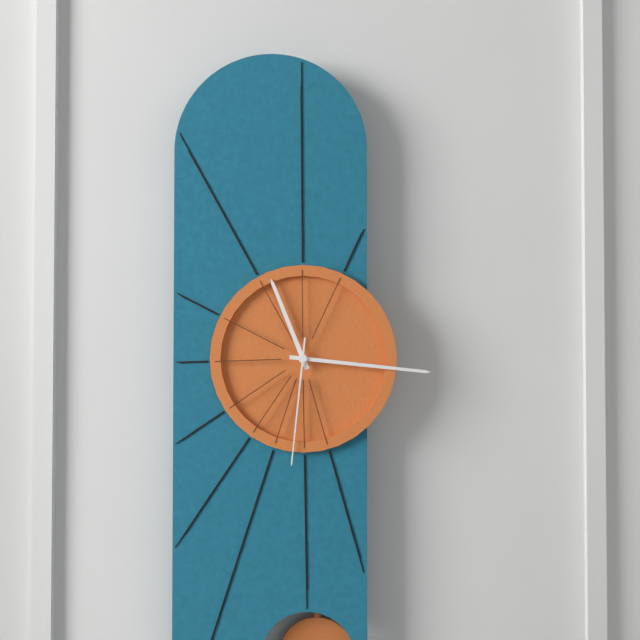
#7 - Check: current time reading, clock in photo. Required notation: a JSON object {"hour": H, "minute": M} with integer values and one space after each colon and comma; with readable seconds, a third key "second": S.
{"hour": 11, "minute": 16, "second": 31}
